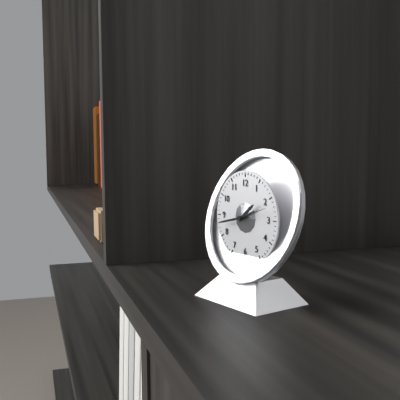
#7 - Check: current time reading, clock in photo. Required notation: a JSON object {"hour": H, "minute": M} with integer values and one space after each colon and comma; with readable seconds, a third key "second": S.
{"hour": 1, "minute": 43}
